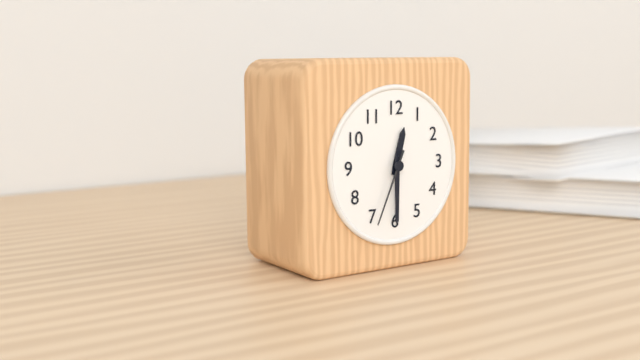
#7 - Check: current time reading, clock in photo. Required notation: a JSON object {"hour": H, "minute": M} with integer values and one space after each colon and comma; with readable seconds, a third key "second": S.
{"hour": 12, "minute": 30, "second": 34}
